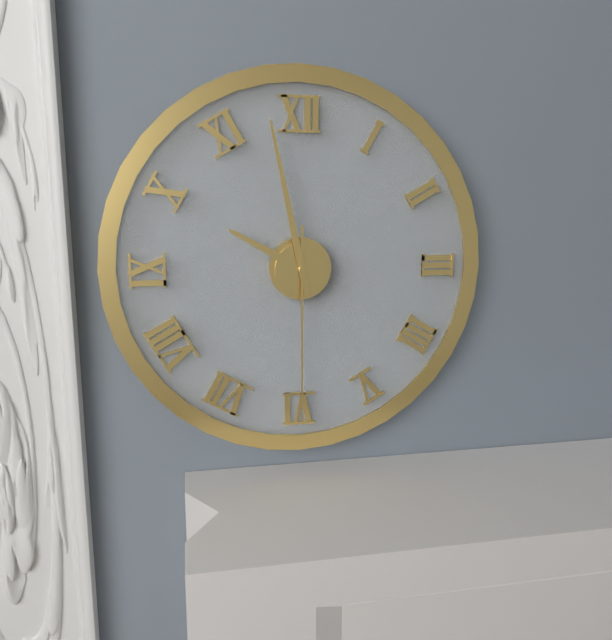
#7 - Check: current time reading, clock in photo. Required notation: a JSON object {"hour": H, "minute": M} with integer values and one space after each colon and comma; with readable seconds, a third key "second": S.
{"hour": 9, "minute": 58, "second": 30}
